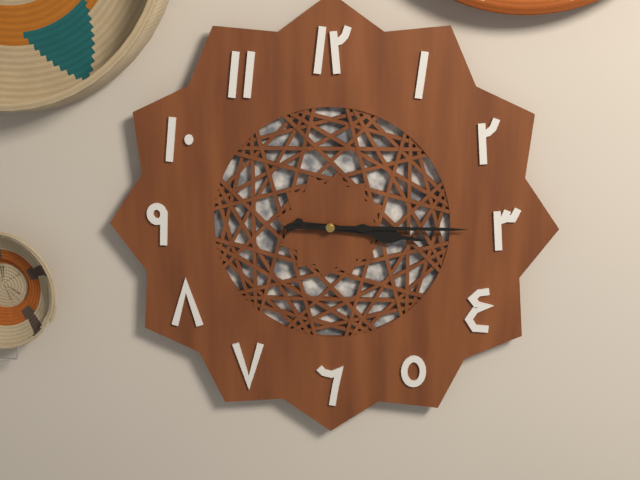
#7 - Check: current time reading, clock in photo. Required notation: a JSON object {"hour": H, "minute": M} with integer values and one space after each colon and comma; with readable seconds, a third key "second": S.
{"hour": 3, "minute": 15}
